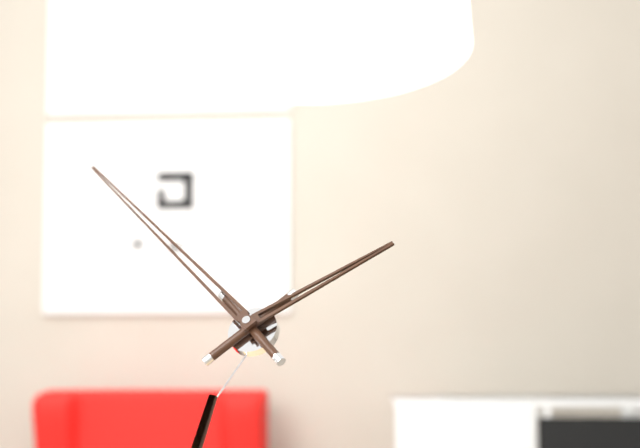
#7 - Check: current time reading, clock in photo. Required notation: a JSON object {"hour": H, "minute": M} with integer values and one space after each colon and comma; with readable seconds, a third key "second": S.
{"hour": 1, "minute": 52}
